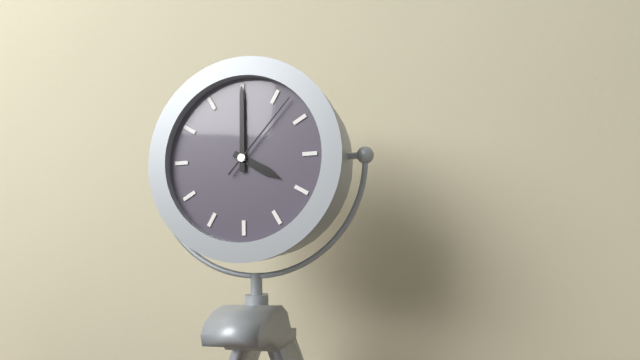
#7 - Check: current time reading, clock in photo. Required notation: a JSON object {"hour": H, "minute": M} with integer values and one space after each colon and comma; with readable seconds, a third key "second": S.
{"hour": 4, "minute": 0, "second": 7}
